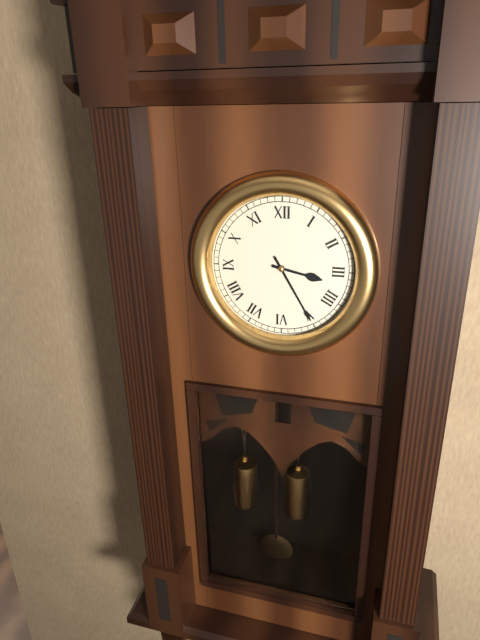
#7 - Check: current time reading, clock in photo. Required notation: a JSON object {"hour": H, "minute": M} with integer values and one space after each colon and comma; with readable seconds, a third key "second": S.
{"hour": 3, "minute": 25}
